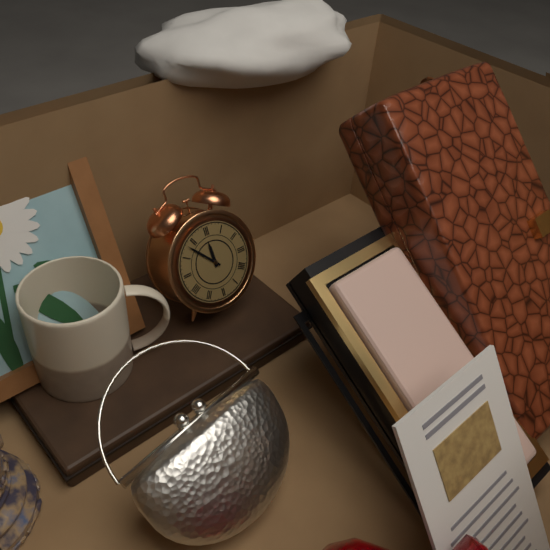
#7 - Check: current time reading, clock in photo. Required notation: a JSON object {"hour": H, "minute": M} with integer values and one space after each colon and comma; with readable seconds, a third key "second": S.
{"hour": 11, "minute": 53}
